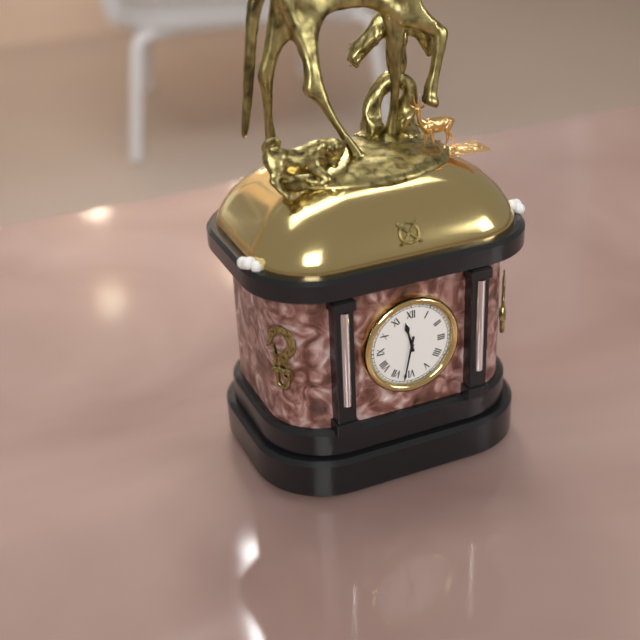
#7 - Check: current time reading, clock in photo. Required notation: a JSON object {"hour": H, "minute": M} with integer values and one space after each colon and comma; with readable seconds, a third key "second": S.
{"hour": 11, "minute": 32}
